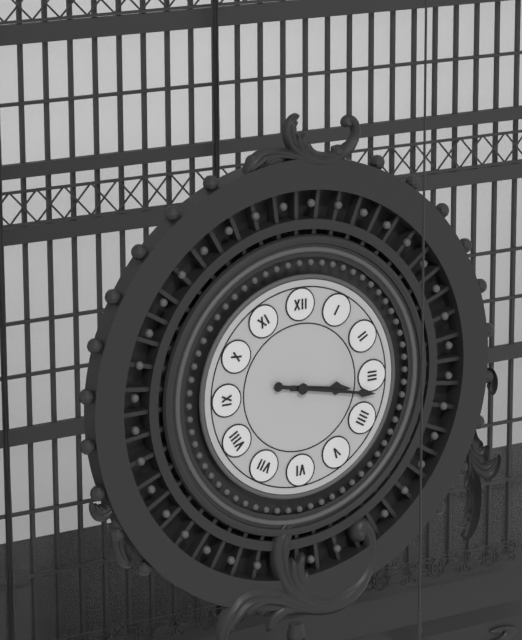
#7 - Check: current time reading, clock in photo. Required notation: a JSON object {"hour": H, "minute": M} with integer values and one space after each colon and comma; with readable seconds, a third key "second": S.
{"hour": 3, "minute": 17}
